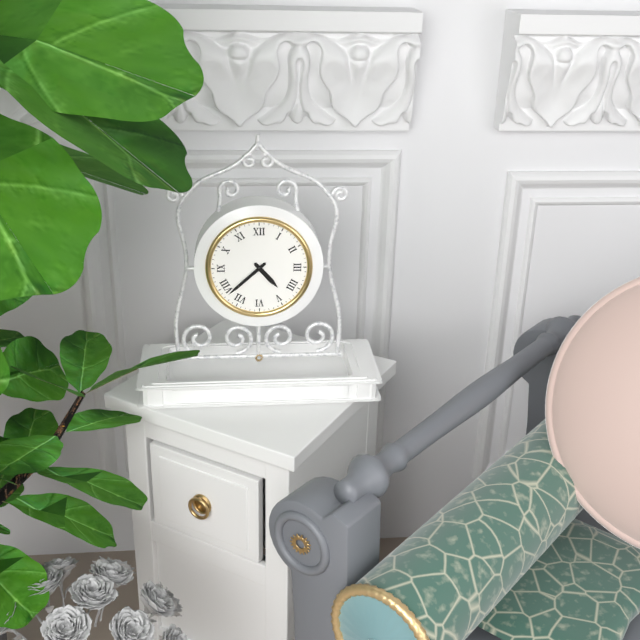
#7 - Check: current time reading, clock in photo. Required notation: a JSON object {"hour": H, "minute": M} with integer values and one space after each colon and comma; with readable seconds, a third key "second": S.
{"hour": 4, "minute": 38}
